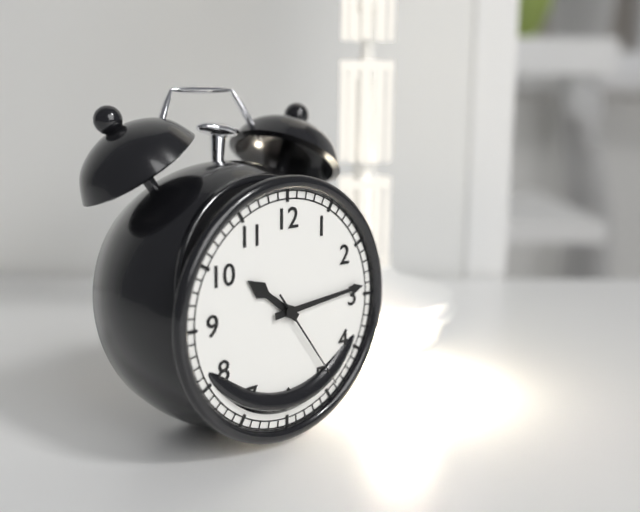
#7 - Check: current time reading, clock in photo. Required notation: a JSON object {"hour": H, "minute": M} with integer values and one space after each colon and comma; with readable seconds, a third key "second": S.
{"hour": 10, "minute": 14, "second": 24}
